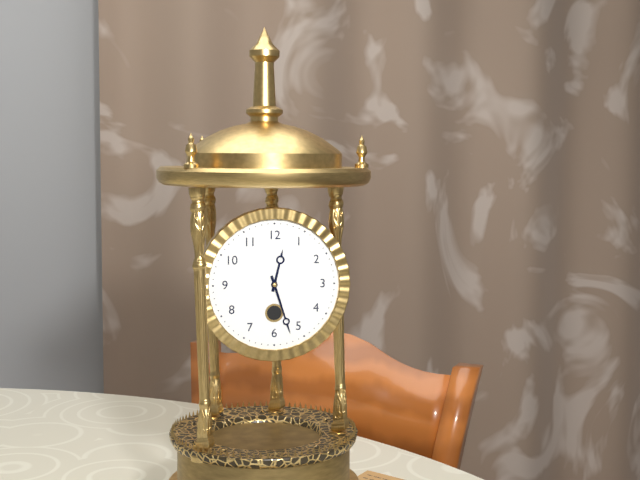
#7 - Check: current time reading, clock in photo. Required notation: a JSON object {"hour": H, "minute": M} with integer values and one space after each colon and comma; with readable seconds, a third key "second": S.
{"hour": 12, "minute": 27}
